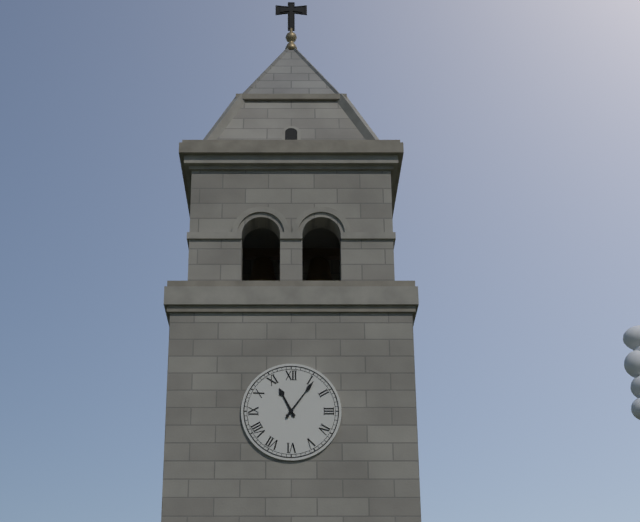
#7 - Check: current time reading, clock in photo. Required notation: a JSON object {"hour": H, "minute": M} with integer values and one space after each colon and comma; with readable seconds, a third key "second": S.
{"hour": 11, "minute": 6}
